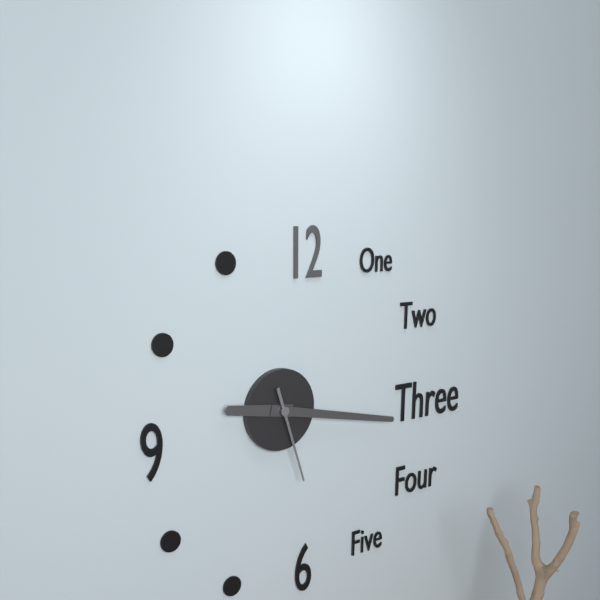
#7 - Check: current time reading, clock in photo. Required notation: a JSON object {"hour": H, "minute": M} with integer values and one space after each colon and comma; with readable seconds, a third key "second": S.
{"hour": 9, "minute": 17, "second": 27}
